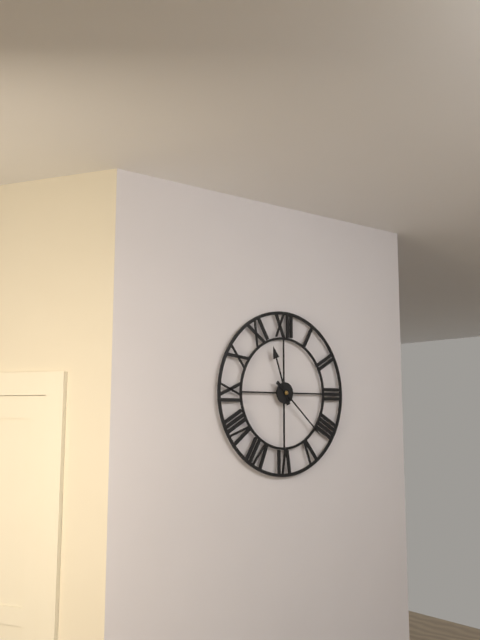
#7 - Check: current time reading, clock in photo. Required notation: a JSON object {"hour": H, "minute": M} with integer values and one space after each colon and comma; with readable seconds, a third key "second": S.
{"hour": 11, "minute": 22}
